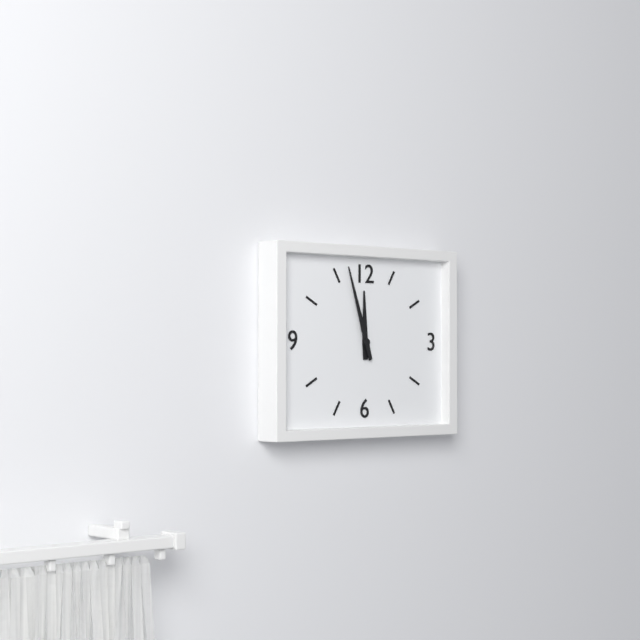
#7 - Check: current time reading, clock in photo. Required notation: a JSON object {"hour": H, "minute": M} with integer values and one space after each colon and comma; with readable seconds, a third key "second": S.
{"hour": 11, "minute": 57}
